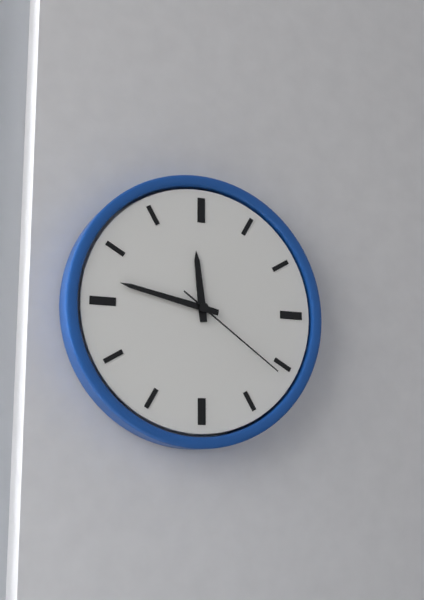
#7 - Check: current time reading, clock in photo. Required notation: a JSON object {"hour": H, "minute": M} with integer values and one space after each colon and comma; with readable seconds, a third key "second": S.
{"hour": 11, "minute": 47, "second": 21}
